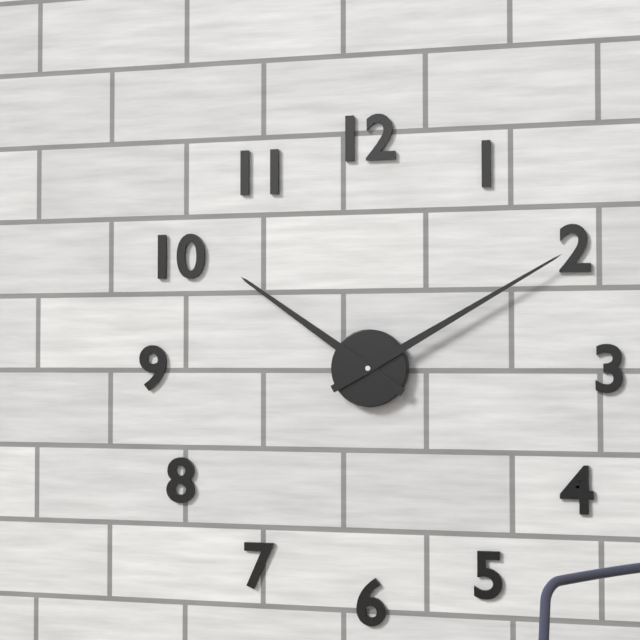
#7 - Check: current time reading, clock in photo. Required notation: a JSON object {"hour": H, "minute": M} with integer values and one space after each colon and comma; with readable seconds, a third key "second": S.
{"hour": 10, "minute": 10}
